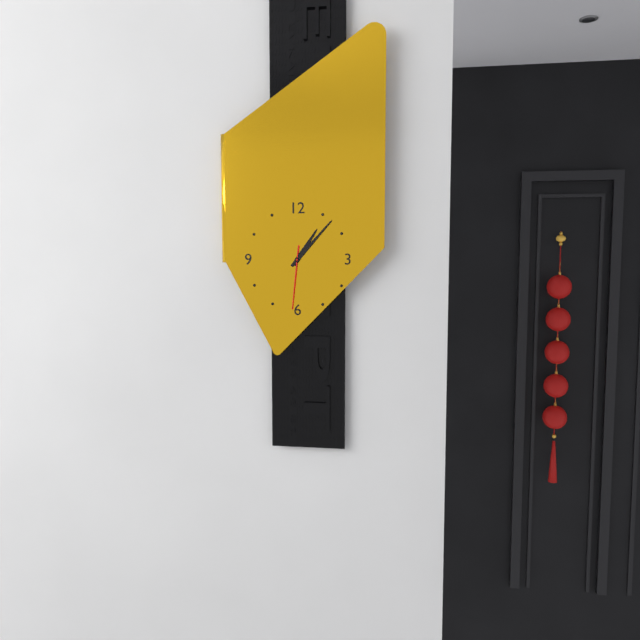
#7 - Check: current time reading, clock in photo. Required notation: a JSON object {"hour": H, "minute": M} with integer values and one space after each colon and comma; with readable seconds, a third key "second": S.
{"hour": 1, "minute": 7, "second": 31}
